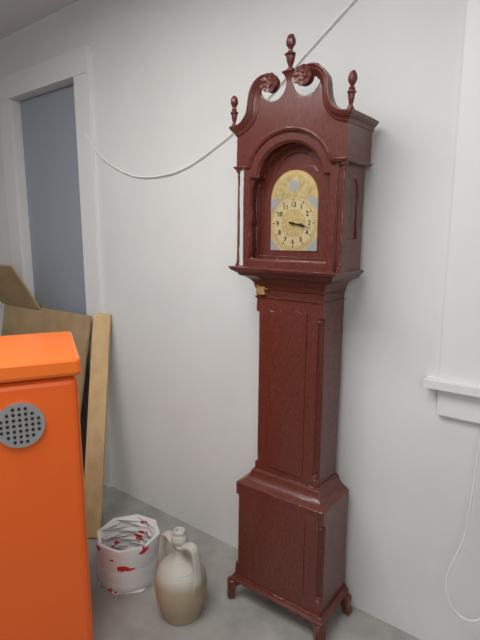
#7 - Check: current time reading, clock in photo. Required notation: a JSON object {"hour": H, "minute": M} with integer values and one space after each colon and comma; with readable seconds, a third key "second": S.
{"hour": 3, "minute": 17}
